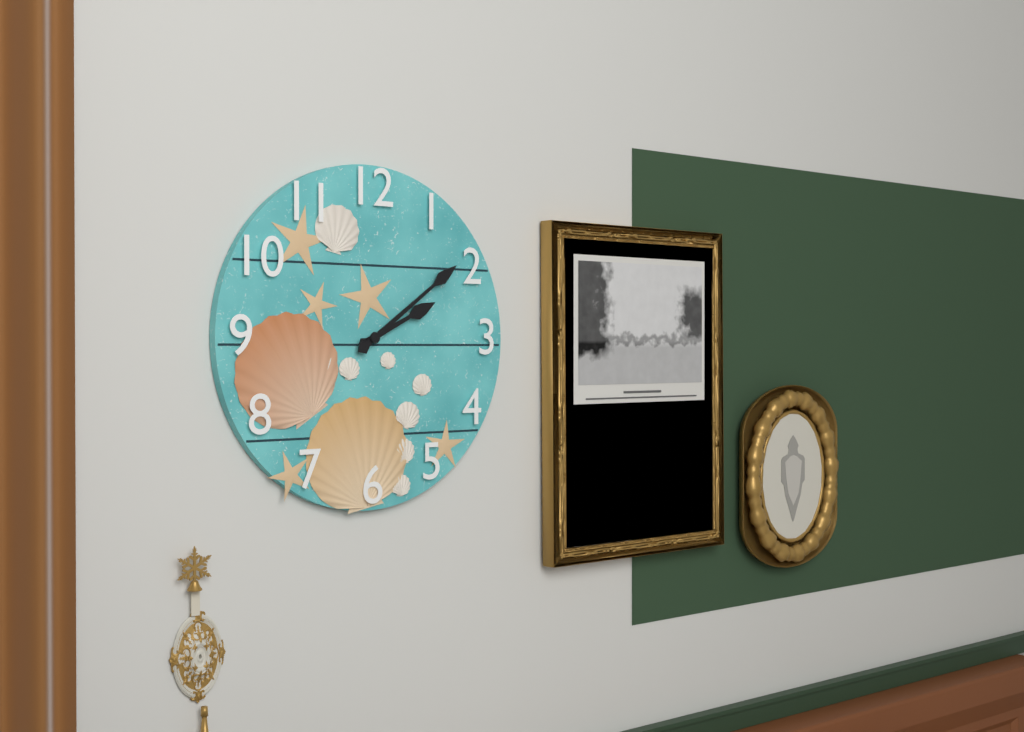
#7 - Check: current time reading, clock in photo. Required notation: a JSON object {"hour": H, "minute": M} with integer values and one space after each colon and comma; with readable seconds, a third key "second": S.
{"hour": 2, "minute": 9}
